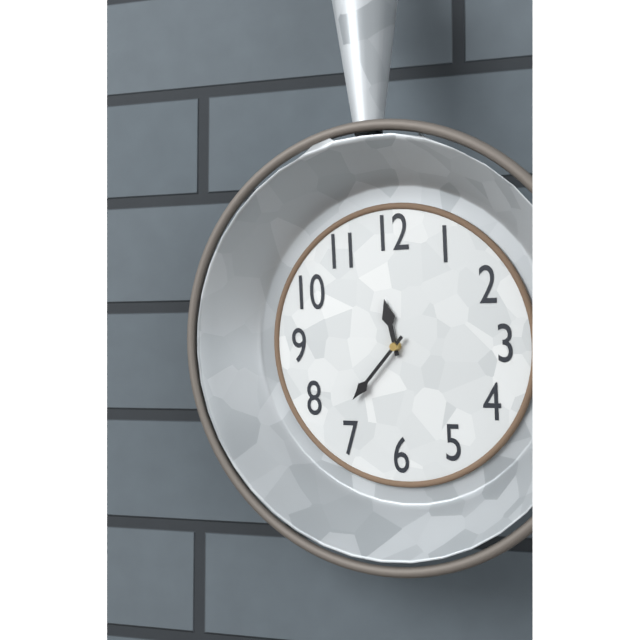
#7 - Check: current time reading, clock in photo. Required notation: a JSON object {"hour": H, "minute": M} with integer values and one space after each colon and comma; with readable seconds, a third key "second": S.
{"hour": 11, "minute": 37}
